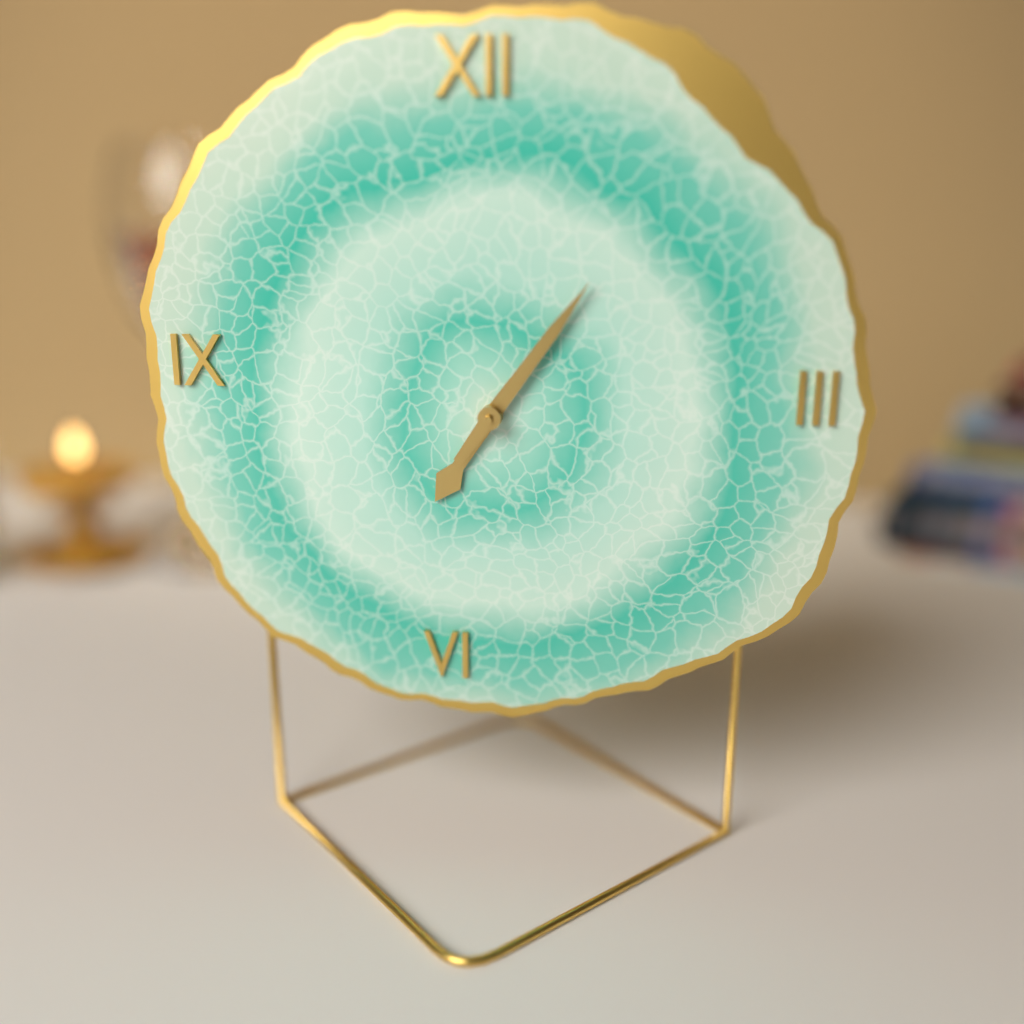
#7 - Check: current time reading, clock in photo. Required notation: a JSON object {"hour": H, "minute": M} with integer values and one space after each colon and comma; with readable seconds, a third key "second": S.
{"hour": 7, "minute": 6}
